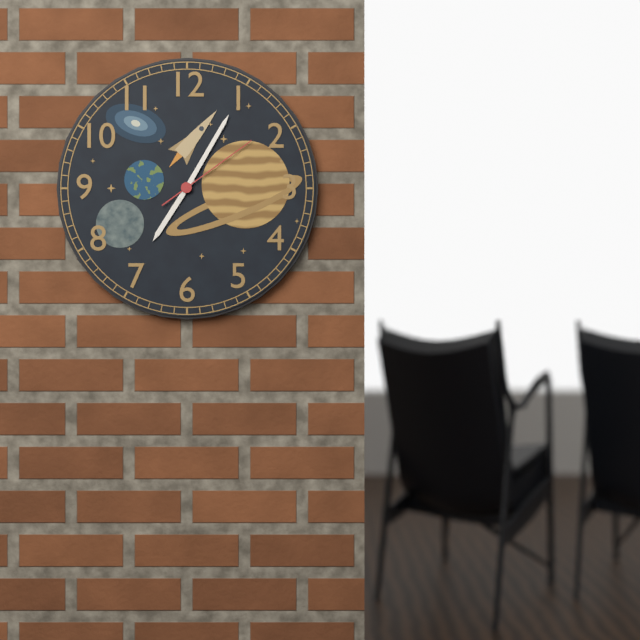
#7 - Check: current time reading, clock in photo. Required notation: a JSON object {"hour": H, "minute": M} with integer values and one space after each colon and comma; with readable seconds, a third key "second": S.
{"hour": 7, "minute": 5, "second": 9}
